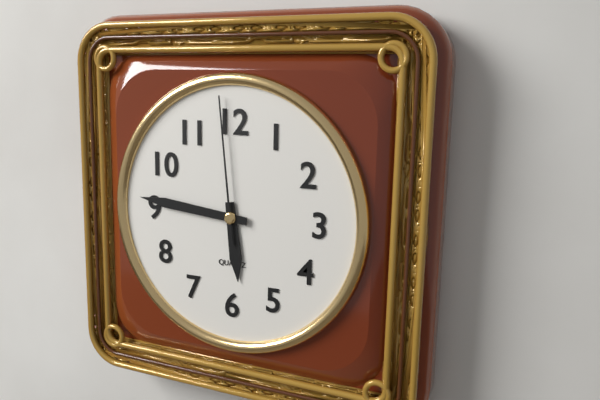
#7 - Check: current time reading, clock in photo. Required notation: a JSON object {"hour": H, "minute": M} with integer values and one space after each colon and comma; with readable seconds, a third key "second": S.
{"hour": 5, "minute": 46, "second": 59}
